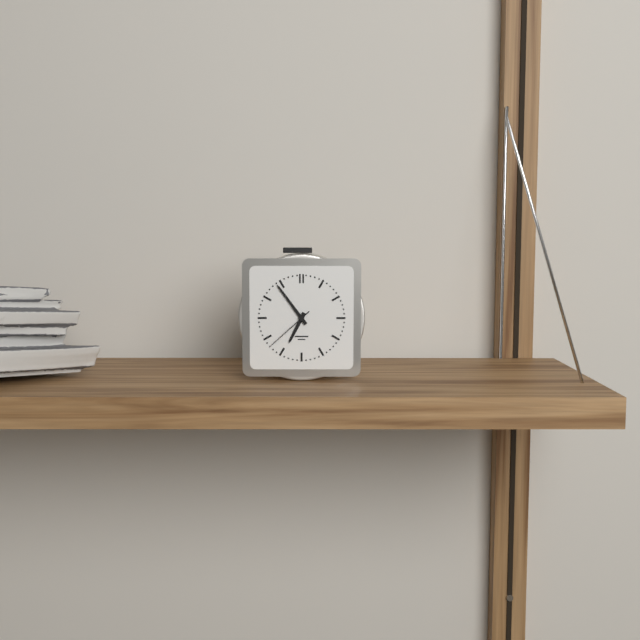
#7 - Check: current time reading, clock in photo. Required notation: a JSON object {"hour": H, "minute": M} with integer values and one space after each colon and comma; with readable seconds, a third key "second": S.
{"hour": 6, "minute": 54, "second": 38}
